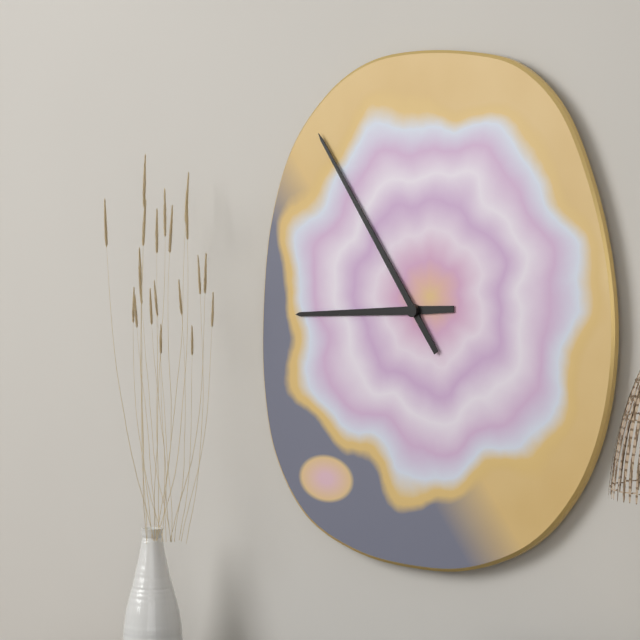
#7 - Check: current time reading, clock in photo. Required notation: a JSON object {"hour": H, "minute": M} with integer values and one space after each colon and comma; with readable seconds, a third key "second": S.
{"hour": 8, "minute": 54}
